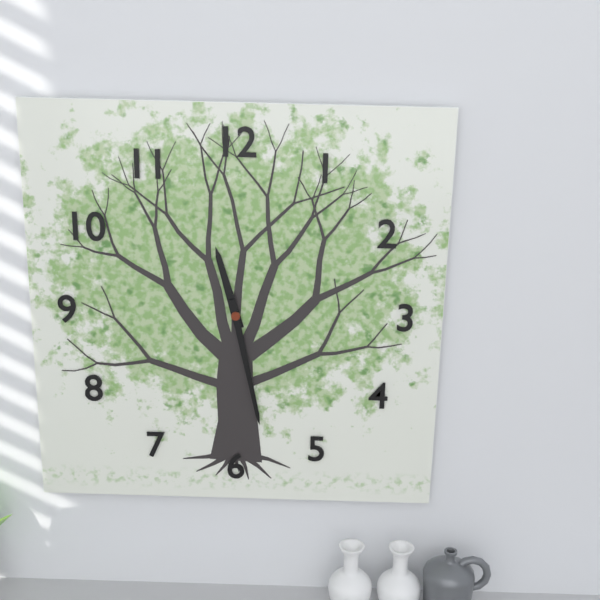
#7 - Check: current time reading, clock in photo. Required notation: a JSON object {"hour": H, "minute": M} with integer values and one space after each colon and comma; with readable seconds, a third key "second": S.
{"hour": 11, "minute": 28}
